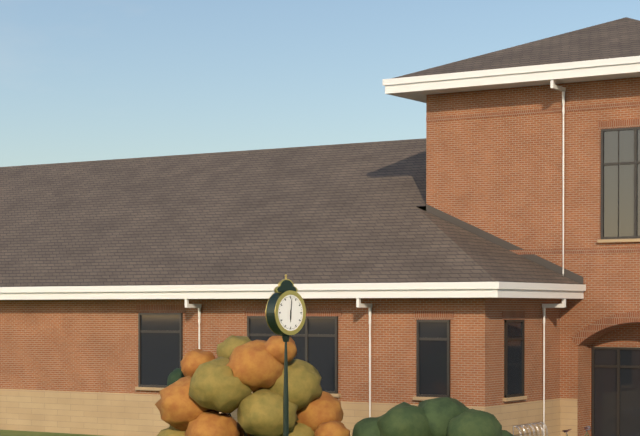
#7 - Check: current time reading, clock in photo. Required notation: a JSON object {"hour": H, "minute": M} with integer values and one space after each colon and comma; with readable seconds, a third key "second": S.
{"hour": 6, "minute": 1}
